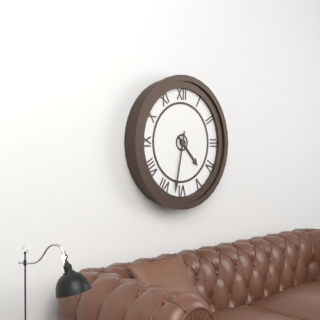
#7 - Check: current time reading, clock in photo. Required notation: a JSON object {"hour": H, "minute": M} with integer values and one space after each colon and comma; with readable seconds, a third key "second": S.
{"hour": 4, "minute": 32}
